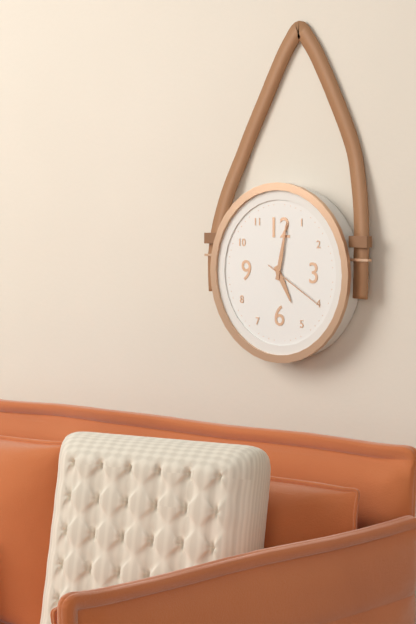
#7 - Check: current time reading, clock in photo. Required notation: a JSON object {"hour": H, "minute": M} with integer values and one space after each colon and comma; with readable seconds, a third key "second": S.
{"hour": 5, "minute": 2, "second": 20}
